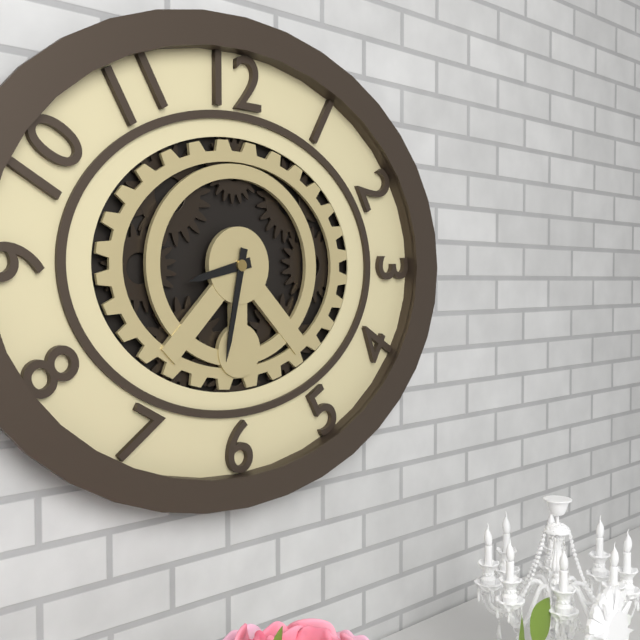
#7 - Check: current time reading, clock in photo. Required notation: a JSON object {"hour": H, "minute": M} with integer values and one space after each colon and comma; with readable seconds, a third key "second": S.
{"hour": 8, "minute": 32}
